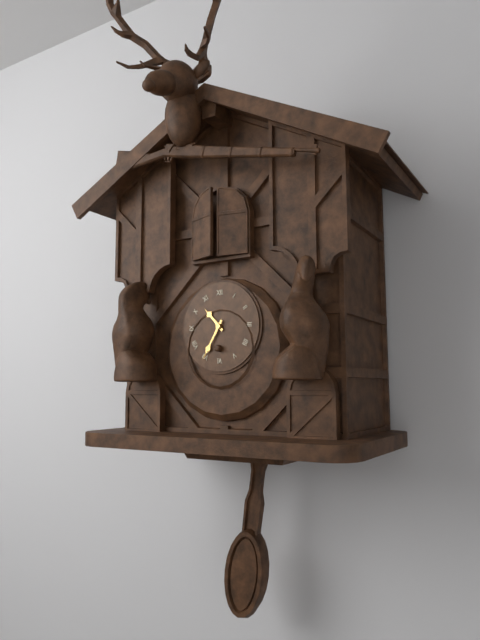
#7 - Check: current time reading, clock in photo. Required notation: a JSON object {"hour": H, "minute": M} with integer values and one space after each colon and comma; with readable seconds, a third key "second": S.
{"hour": 10, "minute": 35}
